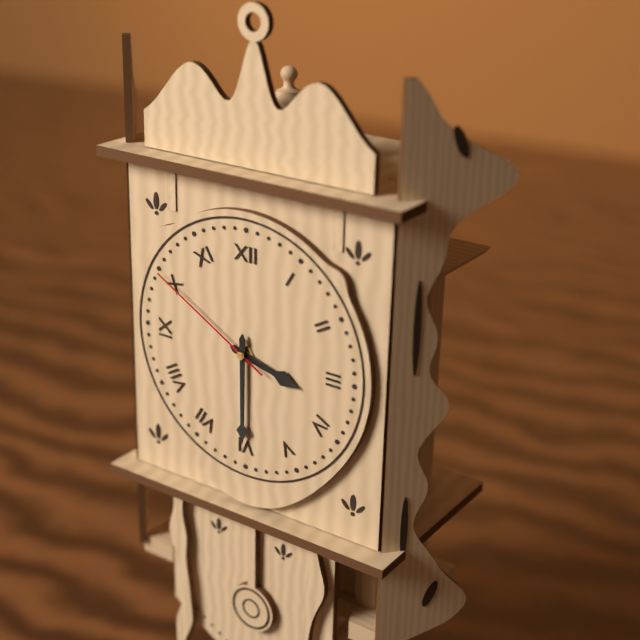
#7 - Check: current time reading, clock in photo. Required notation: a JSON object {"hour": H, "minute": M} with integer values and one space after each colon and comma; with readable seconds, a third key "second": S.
{"hour": 3, "minute": 30, "second": 50}
